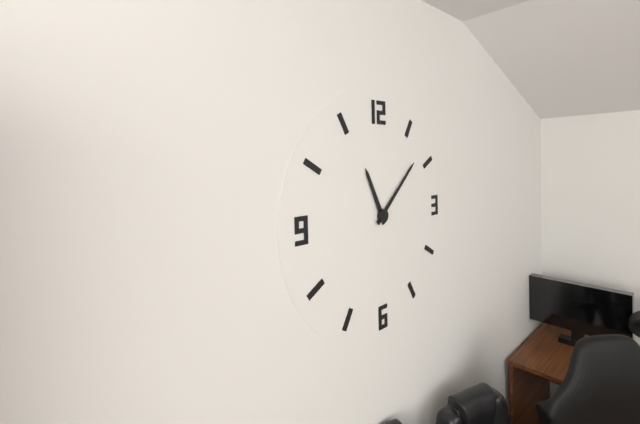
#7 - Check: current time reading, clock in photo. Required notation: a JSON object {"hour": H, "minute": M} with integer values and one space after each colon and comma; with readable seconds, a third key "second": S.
{"hour": 11, "minute": 8}
